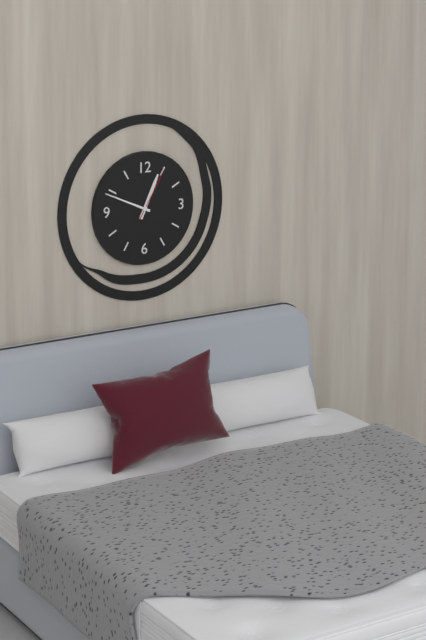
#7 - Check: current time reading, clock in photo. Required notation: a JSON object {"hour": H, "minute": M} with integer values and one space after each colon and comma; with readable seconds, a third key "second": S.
{"hour": 12, "minute": 49, "second": 5}
